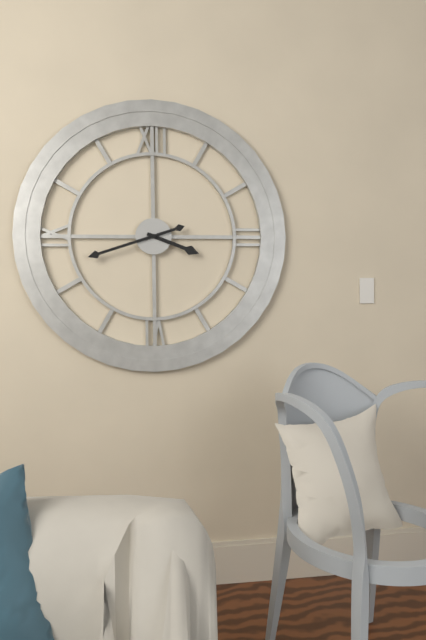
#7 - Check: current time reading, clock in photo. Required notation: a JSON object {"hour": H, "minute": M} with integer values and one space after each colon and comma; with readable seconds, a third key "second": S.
{"hour": 3, "minute": 42}
